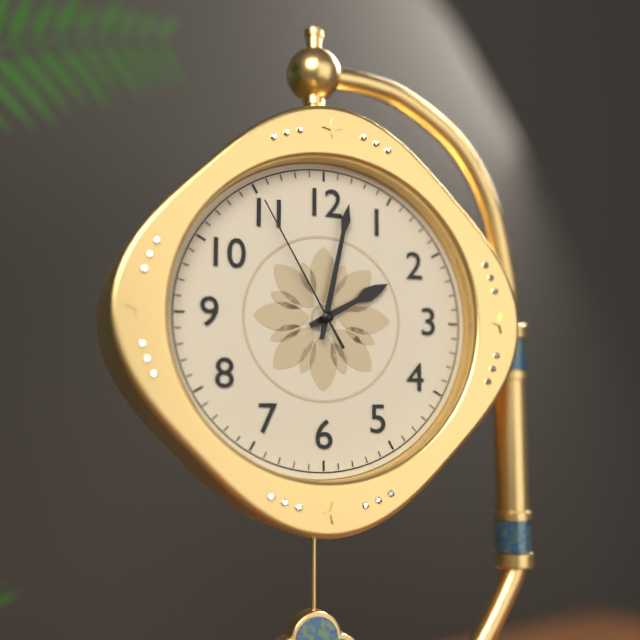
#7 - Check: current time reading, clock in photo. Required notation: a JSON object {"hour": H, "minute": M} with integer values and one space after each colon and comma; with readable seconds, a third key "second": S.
{"hour": 2, "minute": 2, "second": 55}
